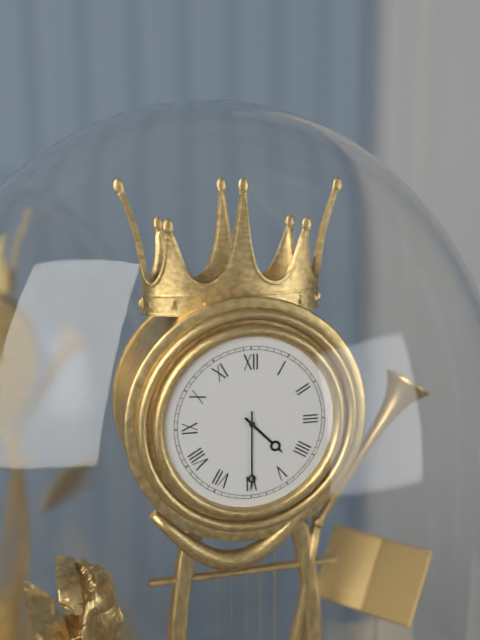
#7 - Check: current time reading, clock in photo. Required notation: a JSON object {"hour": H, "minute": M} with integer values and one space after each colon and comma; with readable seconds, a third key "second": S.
{"hour": 4, "minute": 30}
